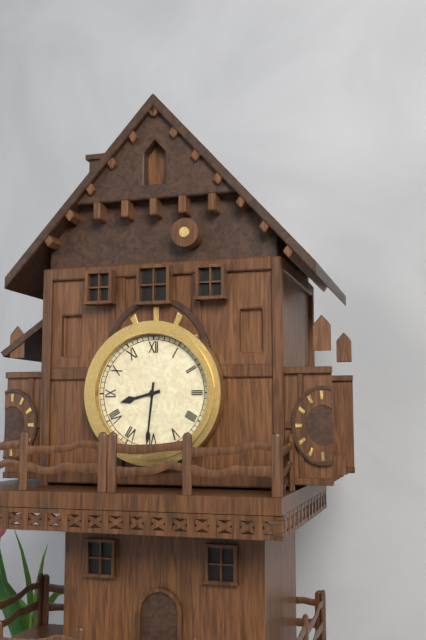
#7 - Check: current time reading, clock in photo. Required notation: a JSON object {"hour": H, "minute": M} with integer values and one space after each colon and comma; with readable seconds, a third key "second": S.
{"hour": 8, "minute": 31}
